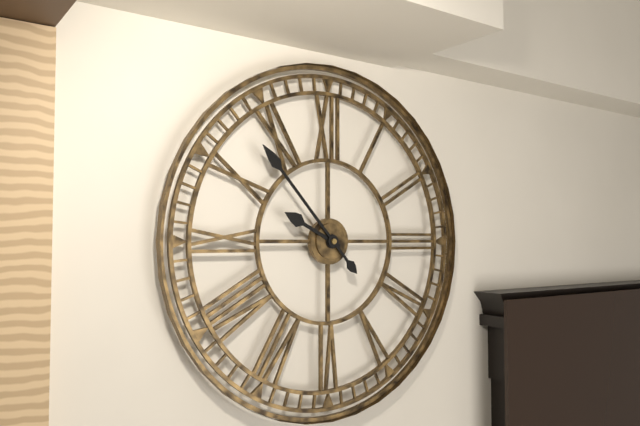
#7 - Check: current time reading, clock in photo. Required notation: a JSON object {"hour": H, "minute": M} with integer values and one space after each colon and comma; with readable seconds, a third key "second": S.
{"hour": 9, "minute": 53}
